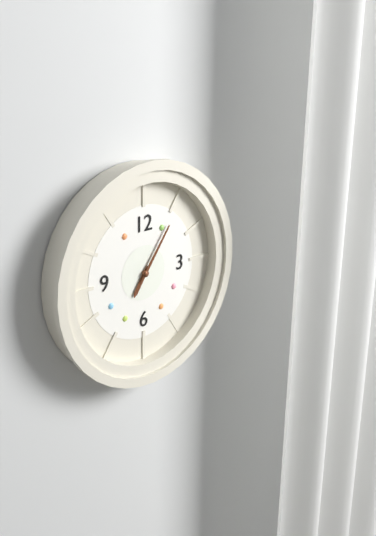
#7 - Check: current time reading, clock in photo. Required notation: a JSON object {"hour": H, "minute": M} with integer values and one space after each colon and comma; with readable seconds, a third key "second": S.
{"hour": 7, "minute": 6}
